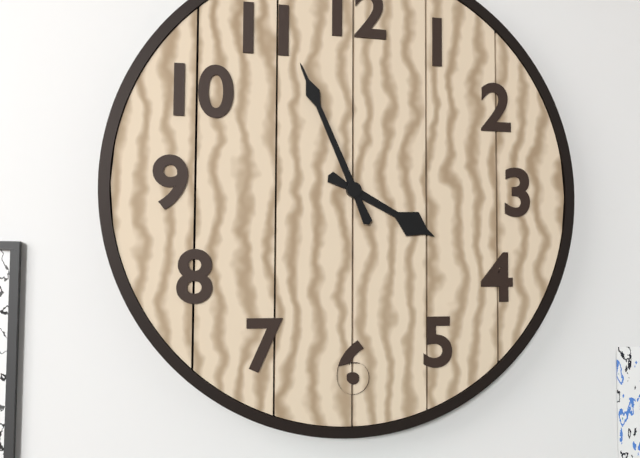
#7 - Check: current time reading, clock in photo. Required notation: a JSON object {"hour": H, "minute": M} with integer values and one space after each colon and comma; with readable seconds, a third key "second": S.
{"hour": 3, "minute": 56}
